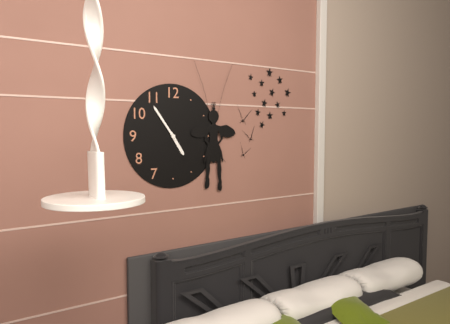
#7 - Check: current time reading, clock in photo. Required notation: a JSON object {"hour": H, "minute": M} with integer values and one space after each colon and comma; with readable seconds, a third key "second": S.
{"hour": 4, "minute": 54}
